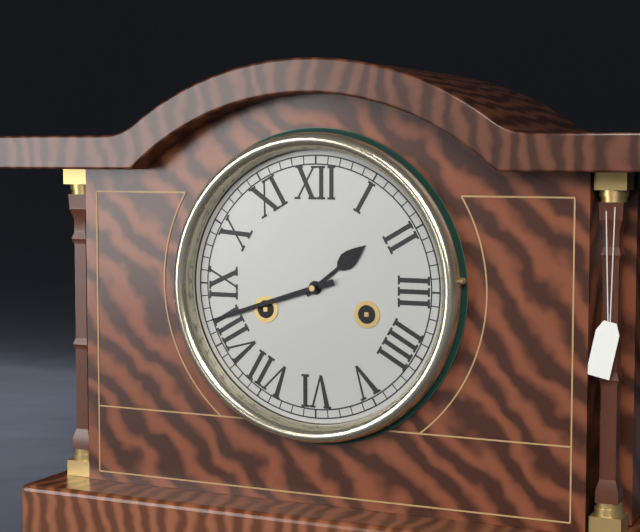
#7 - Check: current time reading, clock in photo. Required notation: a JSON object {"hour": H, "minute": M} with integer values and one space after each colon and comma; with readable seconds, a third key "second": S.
{"hour": 1, "minute": 42}
